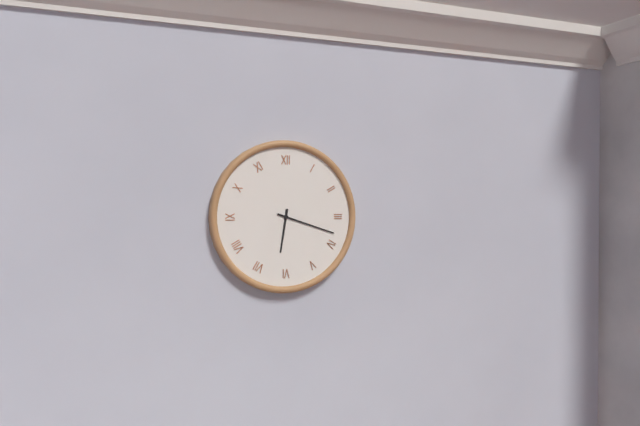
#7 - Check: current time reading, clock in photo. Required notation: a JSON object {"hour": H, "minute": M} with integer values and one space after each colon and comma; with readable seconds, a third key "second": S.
{"hour": 6, "minute": 18}
